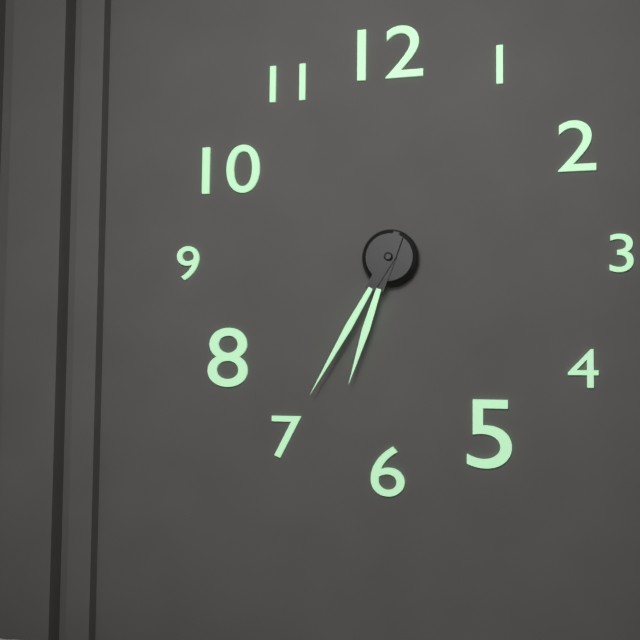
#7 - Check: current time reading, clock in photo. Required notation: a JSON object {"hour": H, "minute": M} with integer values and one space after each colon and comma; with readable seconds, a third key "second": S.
{"hour": 6, "minute": 35}
